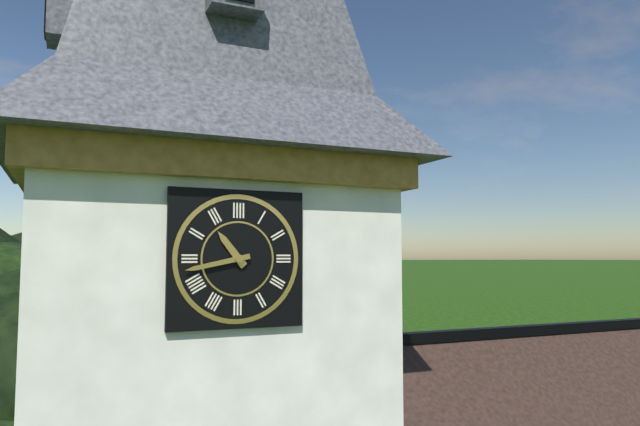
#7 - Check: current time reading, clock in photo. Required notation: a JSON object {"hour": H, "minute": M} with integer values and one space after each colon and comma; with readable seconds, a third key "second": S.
{"hour": 10, "minute": 43}
